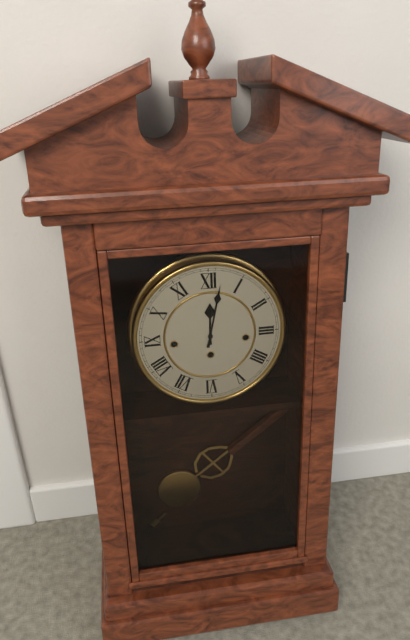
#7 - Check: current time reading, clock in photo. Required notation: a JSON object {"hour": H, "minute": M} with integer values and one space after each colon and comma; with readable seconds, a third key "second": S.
{"hour": 12, "minute": 2}
